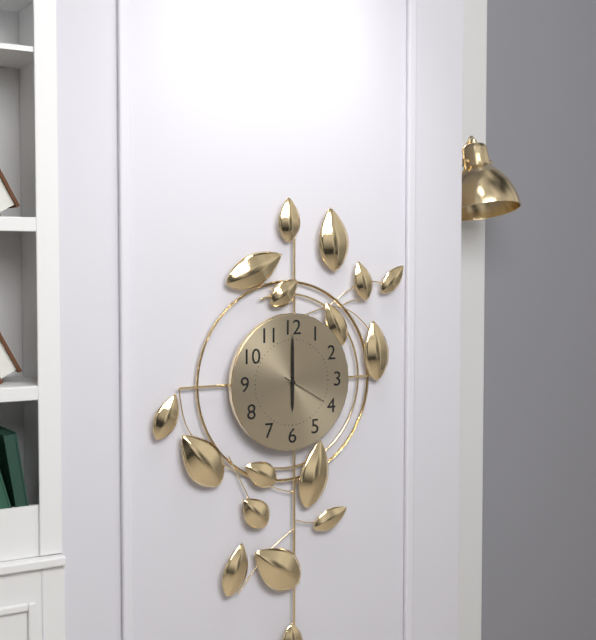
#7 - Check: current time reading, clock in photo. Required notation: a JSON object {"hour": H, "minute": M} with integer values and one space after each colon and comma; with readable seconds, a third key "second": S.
{"hour": 6, "minute": 0}
